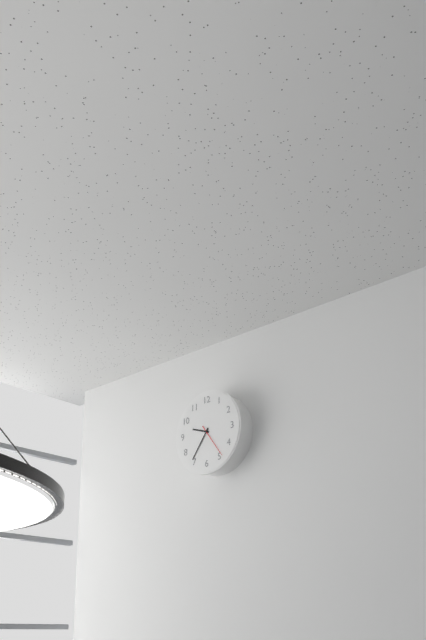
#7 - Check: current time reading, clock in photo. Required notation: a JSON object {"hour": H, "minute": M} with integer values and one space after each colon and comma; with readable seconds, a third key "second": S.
{"hour": 9, "minute": 36}
